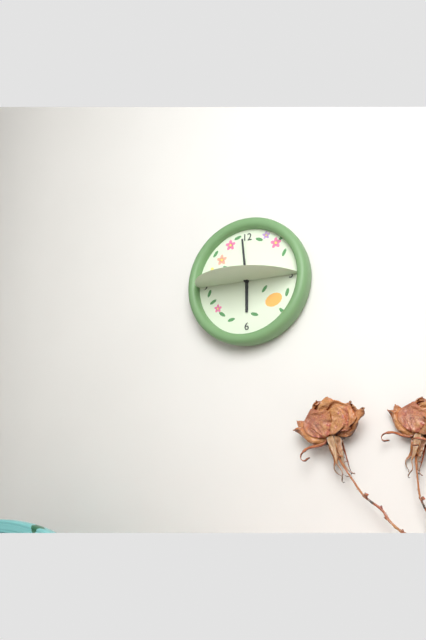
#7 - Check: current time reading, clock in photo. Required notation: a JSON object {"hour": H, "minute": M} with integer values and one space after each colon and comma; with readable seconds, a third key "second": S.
{"hour": 5, "minute": 59}
